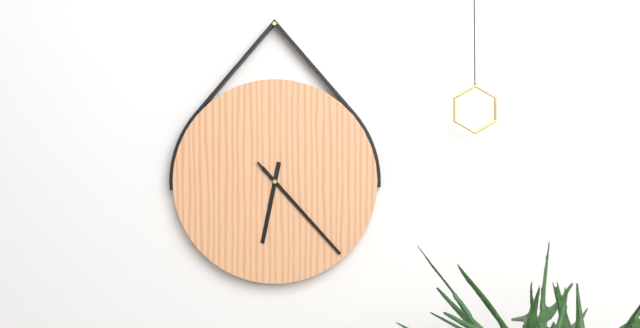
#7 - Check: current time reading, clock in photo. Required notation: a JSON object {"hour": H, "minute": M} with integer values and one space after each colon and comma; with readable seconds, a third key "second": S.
{"hour": 6, "minute": 23, "second": 23}
